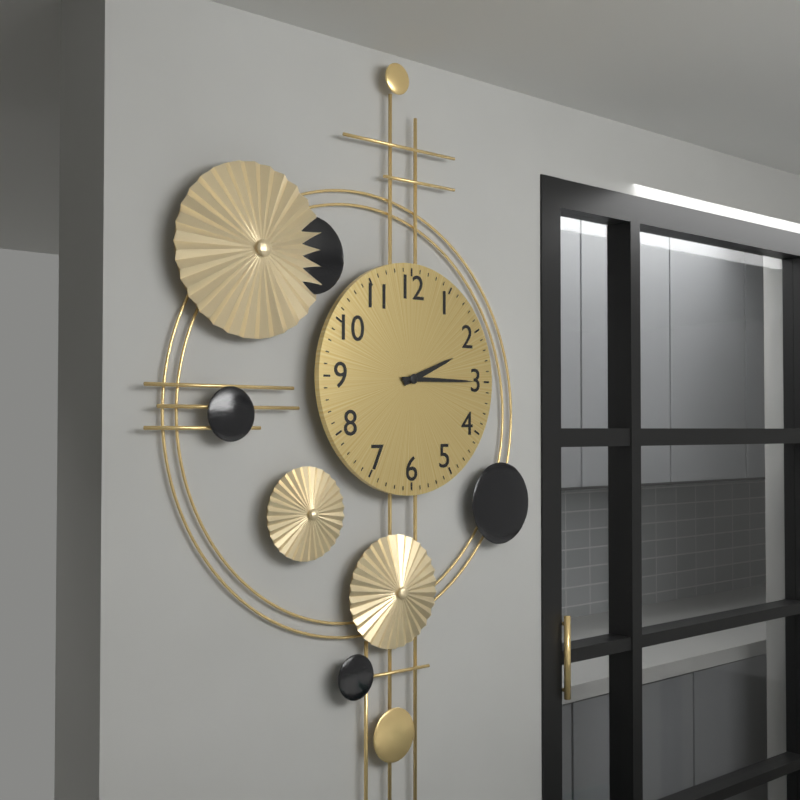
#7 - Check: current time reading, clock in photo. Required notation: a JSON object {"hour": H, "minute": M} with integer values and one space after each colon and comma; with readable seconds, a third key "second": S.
{"hour": 2, "minute": 15}
